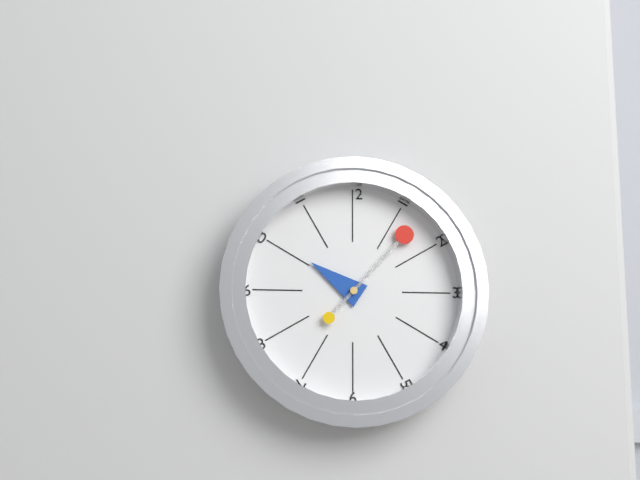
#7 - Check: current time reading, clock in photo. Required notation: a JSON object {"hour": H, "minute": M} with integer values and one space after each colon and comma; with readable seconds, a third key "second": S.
{"hour": 10, "minute": 7}
